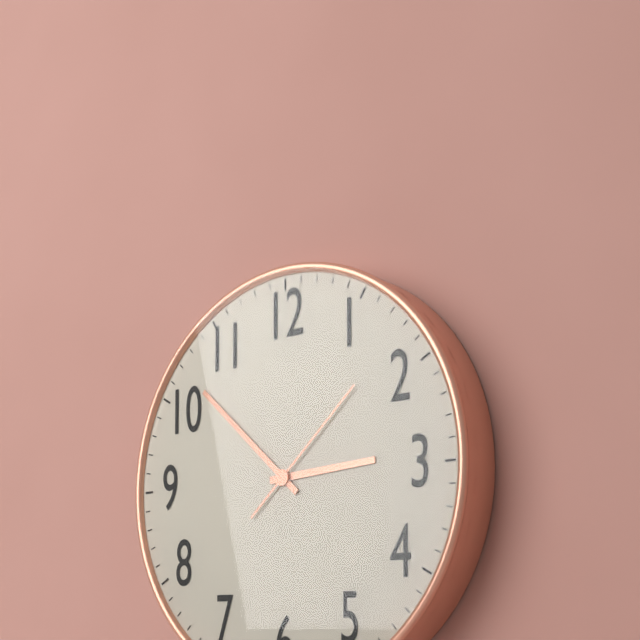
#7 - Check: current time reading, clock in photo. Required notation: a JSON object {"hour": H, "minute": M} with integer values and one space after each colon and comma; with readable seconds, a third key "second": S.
{"hour": 2, "minute": 52, "second": 8}
